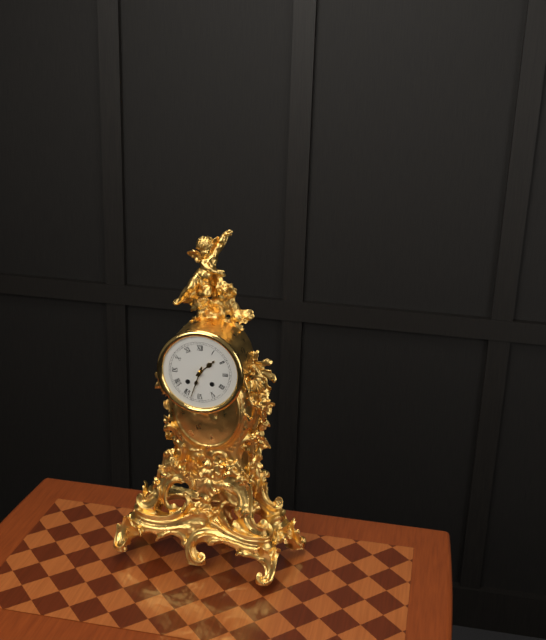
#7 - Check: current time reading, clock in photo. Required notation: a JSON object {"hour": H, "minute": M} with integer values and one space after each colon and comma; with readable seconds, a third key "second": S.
{"hour": 1, "minute": 33}
